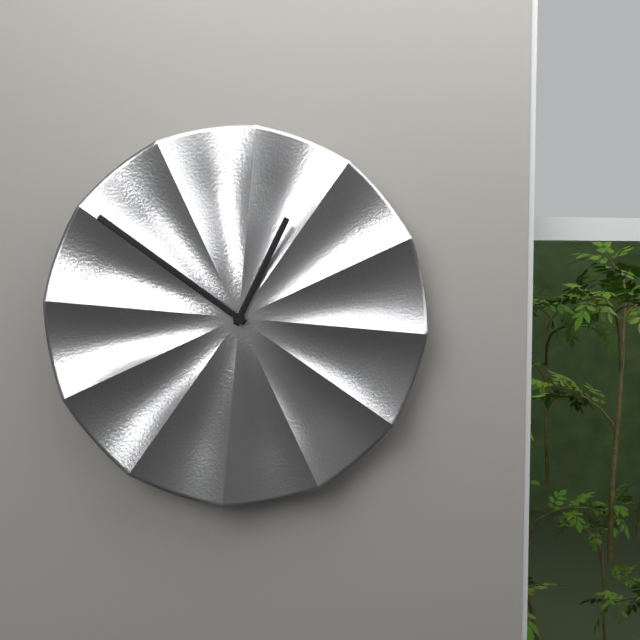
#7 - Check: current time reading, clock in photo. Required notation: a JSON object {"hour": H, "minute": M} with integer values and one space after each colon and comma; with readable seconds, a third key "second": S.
{"hour": 12, "minute": 51}
